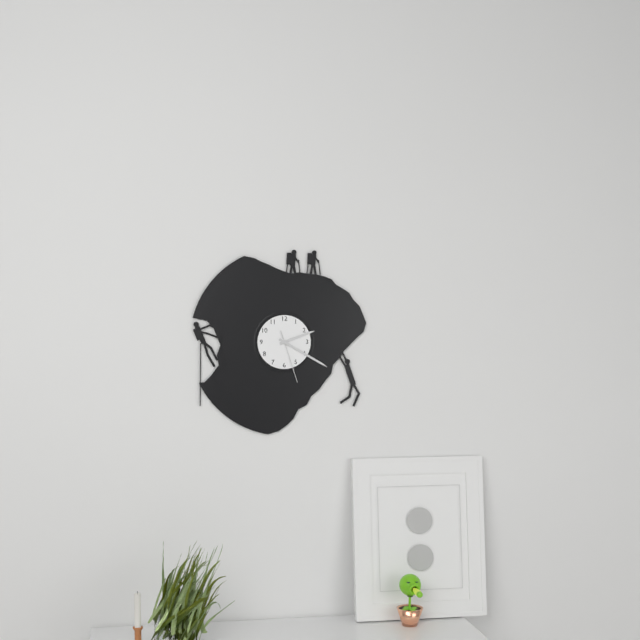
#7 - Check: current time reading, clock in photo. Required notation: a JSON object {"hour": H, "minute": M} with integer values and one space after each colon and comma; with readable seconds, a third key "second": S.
{"hour": 2, "minute": 20, "second": 27}
